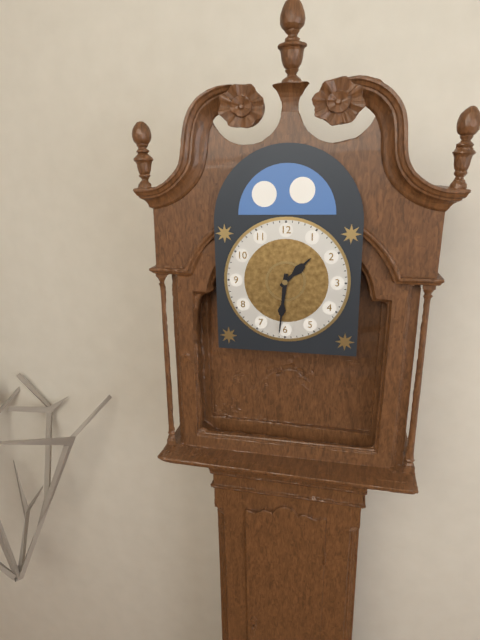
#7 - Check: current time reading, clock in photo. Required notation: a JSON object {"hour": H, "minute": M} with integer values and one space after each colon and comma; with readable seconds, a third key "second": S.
{"hour": 1, "minute": 31}
